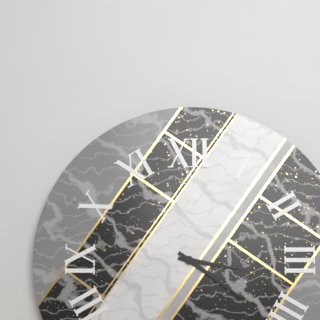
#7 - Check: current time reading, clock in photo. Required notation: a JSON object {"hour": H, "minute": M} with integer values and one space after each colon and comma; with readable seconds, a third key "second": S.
{"hour": 3, "minute": 21}
